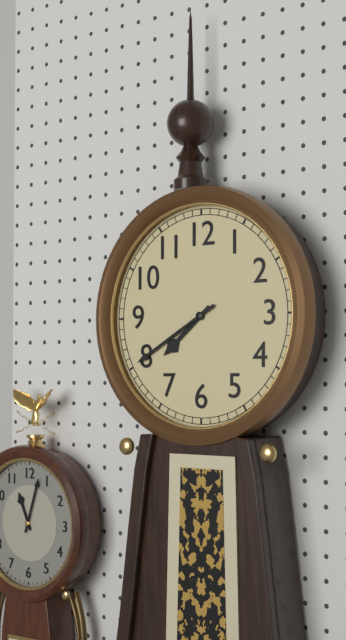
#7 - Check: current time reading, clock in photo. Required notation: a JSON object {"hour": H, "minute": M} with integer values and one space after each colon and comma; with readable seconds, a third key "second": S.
{"hour": 7, "minute": 40}
